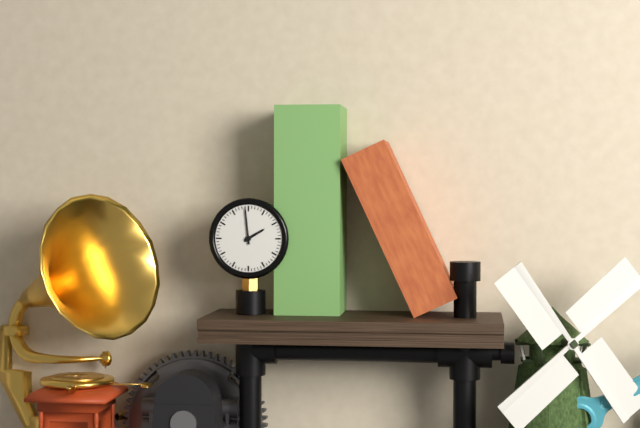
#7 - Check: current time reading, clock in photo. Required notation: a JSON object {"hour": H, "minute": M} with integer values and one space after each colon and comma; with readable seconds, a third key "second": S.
{"hour": 1, "minute": 59}
